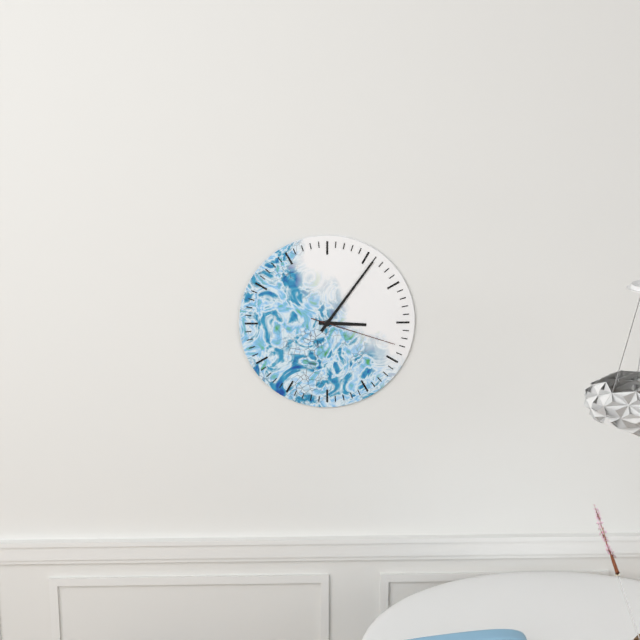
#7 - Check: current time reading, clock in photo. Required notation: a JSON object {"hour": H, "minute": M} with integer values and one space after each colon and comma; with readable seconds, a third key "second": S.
{"hour": 3, "minute": 6, "second": 18}
